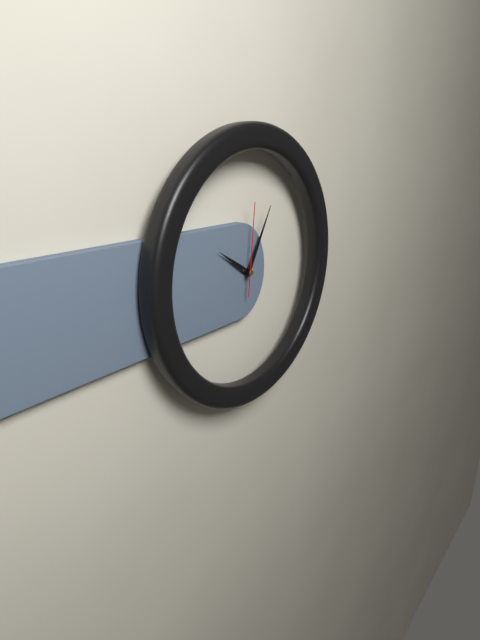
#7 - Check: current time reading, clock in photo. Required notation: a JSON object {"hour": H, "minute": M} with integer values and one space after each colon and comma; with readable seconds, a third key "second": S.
{"hour": 10, "minute": 5, "second": 1}
